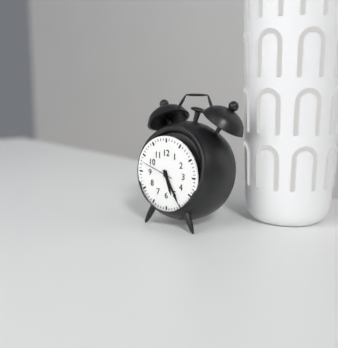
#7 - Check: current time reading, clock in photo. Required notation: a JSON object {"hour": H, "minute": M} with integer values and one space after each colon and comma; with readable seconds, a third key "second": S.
{"hour": 5, "minute": 25}
